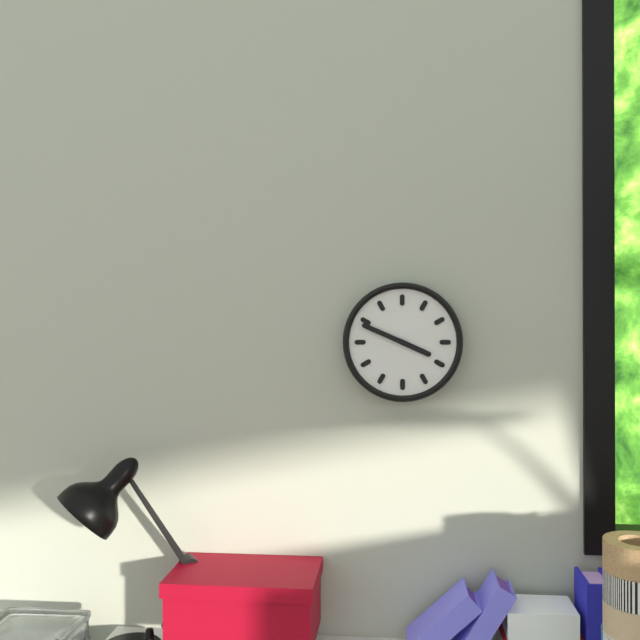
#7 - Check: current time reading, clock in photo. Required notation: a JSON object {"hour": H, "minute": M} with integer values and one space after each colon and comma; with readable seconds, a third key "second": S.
{"hour": 3, "minute": 49}
